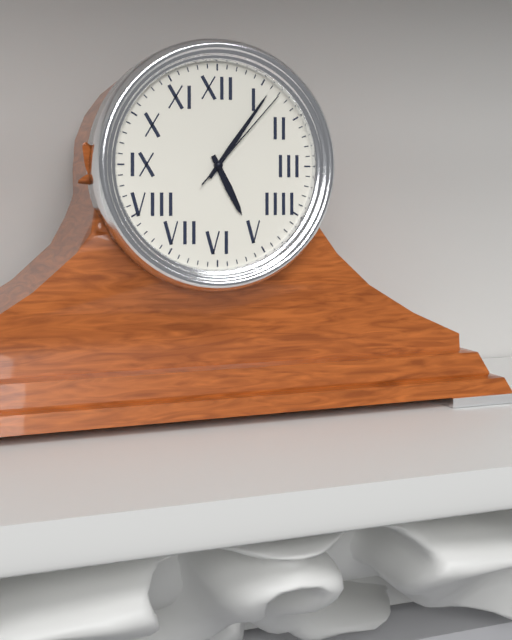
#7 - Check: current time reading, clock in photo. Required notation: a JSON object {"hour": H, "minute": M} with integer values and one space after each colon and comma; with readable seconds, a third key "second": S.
{"hour": 5, "minute": 6, "second": 7}
